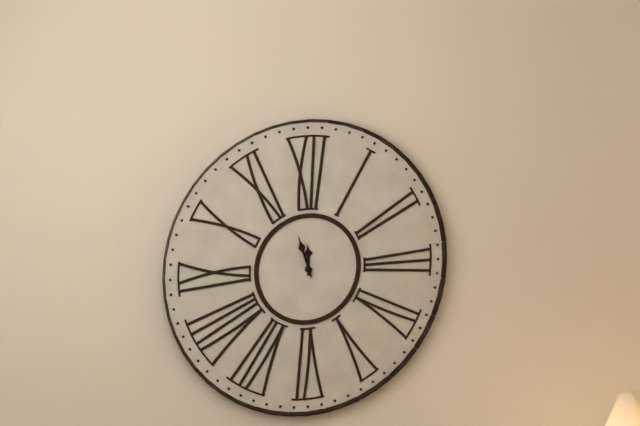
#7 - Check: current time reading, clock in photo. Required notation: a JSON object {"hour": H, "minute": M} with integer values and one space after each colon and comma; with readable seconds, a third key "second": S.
{"hour": 11, "minute": 57}
